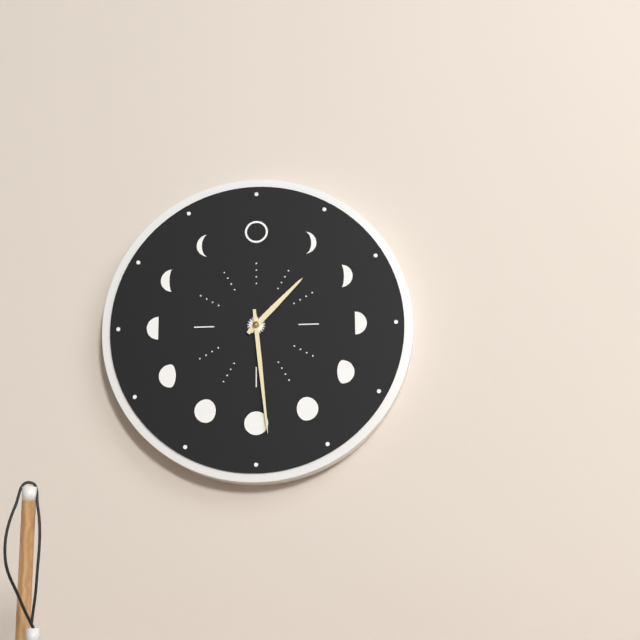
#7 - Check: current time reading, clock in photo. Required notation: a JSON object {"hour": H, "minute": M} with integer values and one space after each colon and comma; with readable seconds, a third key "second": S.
{"hour": 1, "minute": 29}
